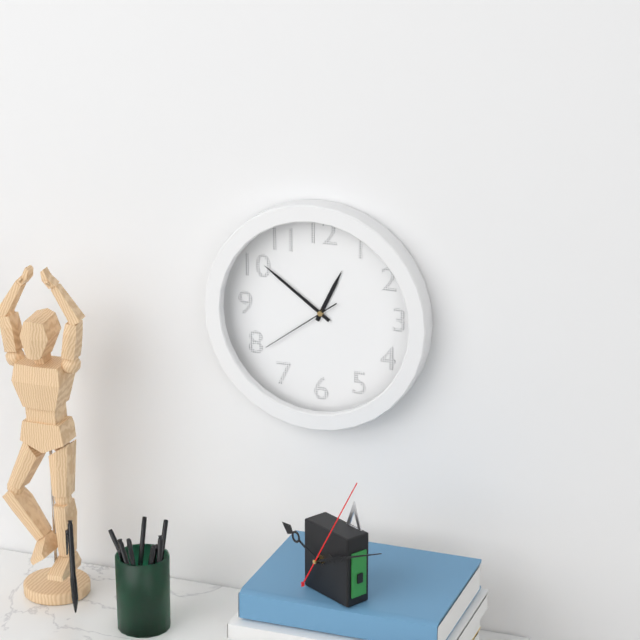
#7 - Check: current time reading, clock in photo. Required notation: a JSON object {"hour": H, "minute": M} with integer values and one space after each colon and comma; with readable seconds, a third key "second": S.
{"hour": 12, "minute": 51, "second": 39}
